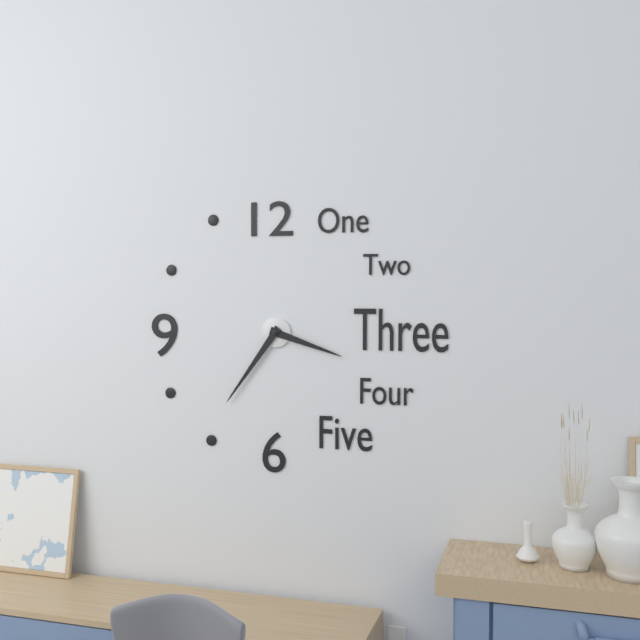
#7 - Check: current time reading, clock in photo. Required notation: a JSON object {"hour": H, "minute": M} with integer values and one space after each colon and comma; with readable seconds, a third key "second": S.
{"hour": 3, "minute": 36}
